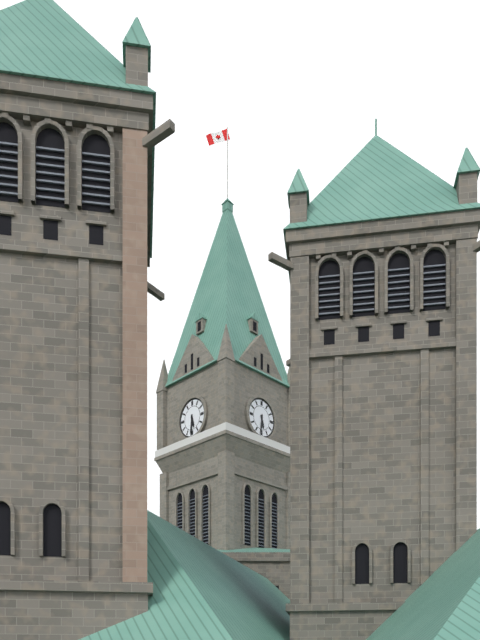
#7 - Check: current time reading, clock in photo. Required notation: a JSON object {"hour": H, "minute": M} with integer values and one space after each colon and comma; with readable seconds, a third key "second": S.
{"hour": 5, "minute": 31}
